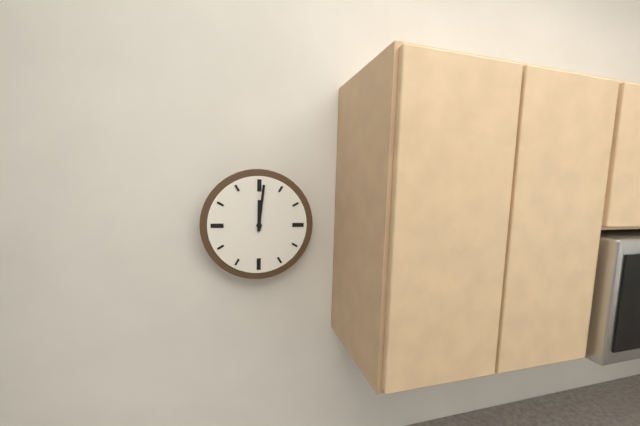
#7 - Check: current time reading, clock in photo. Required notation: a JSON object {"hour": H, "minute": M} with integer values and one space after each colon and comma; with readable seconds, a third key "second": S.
{"hour": 12, "minute": 1}
